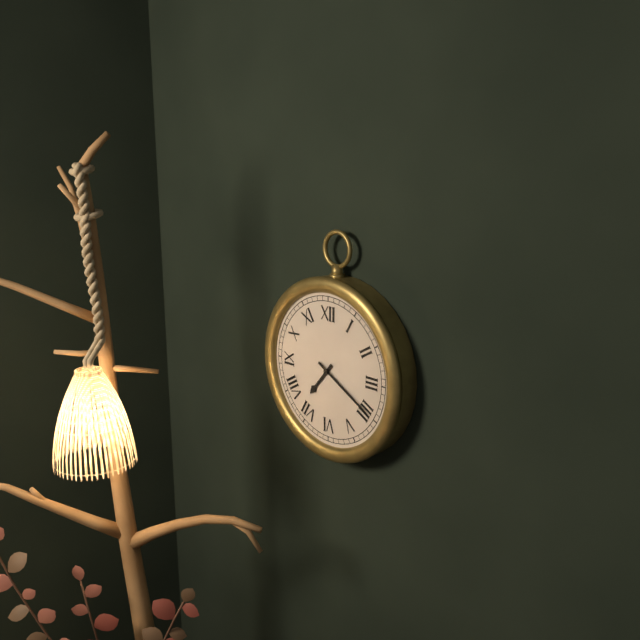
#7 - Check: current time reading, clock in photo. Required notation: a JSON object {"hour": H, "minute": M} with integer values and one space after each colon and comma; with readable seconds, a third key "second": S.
{"hour": 7, "minute": 20}
